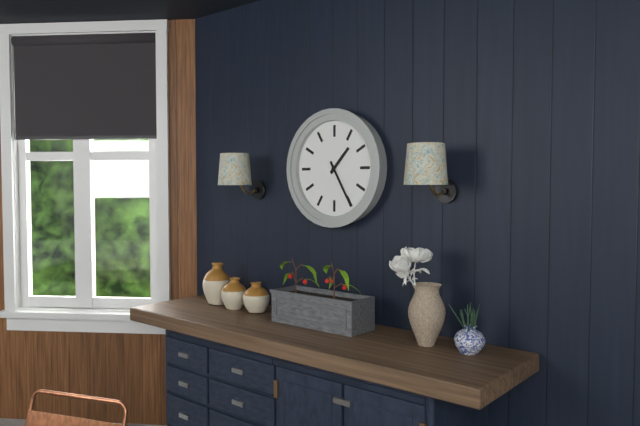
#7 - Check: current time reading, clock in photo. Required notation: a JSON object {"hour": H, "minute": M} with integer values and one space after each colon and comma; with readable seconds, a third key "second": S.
{"hour": 1, "minute": 25}
